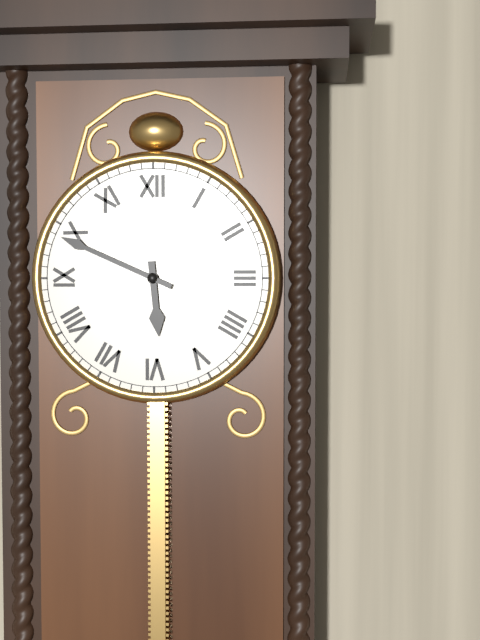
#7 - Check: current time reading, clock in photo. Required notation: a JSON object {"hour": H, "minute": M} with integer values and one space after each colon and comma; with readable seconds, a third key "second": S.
{"hour": 5, "minute": 49}
